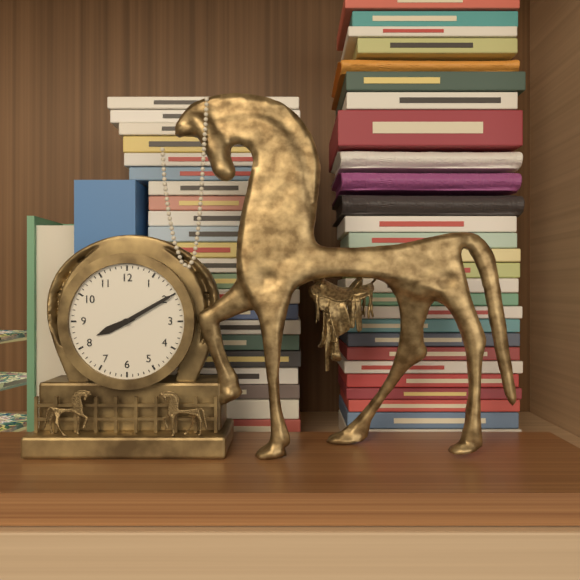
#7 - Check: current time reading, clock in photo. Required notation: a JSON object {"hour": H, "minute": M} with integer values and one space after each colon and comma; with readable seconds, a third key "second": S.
{"hour": 8, "minute": 10}
